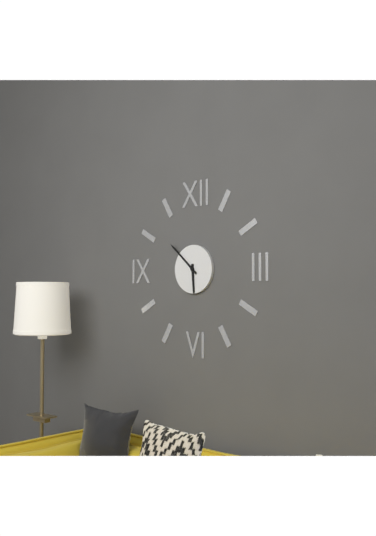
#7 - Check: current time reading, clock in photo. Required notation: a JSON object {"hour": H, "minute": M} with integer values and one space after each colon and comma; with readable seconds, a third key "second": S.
{"hour": 5, "minute": 52}
